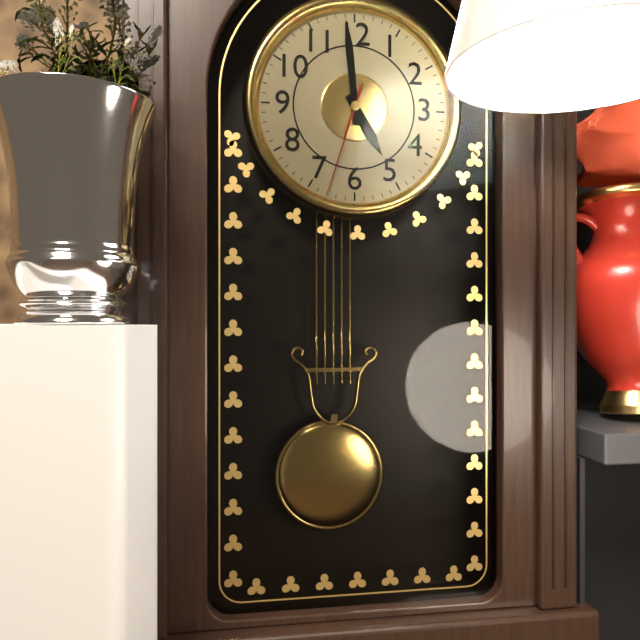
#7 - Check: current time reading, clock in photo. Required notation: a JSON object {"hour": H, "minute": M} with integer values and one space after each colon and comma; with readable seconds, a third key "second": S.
{"hour": 4, "minute": 59, "second": 33}
